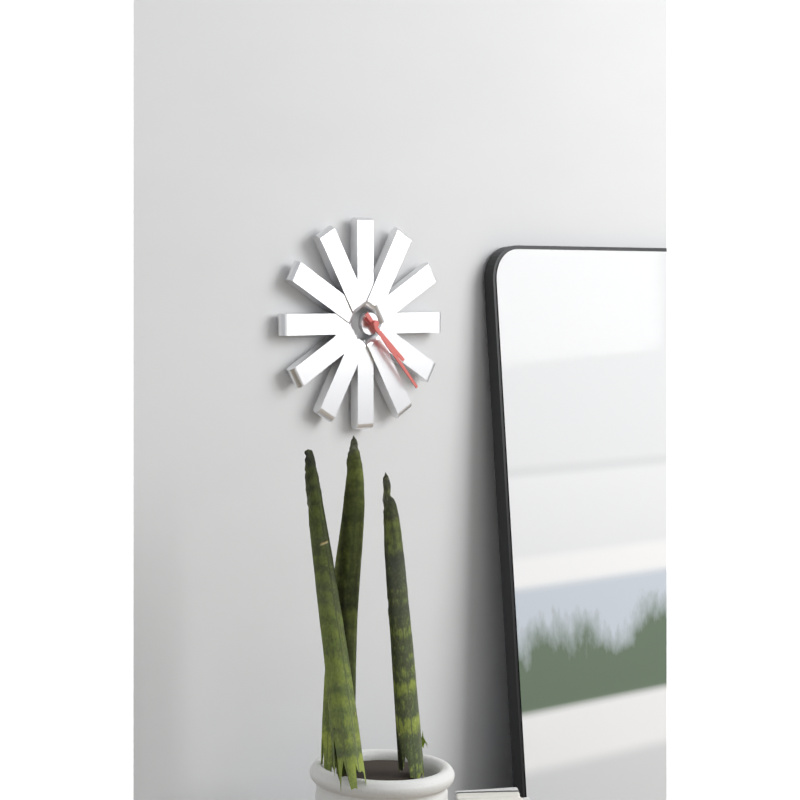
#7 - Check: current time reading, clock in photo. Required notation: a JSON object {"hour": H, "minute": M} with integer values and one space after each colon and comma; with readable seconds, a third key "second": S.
{"hour": 4, "minute": 23}
